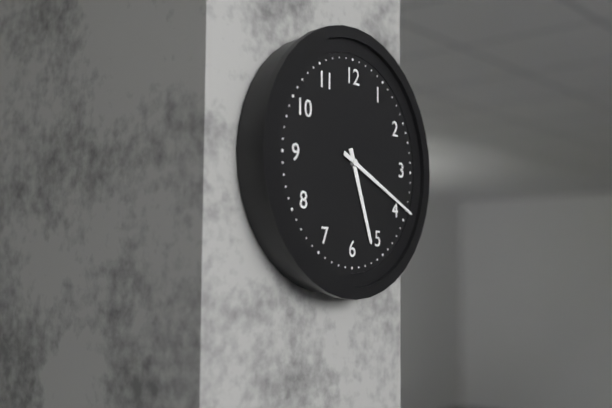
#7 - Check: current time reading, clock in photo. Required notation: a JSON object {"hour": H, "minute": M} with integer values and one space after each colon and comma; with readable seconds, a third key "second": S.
{"hour": 5, "minute": 19}
